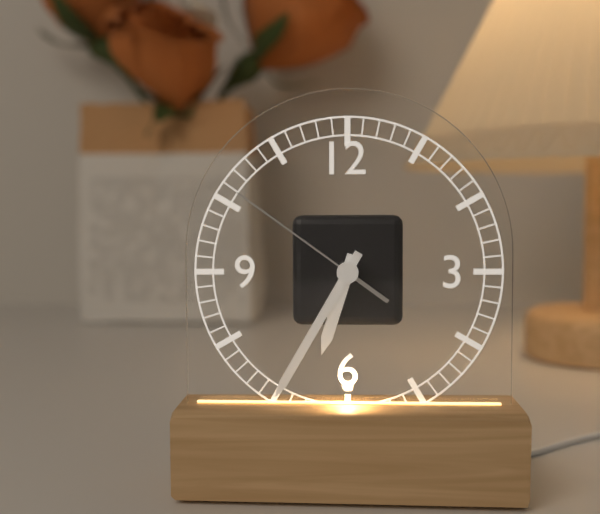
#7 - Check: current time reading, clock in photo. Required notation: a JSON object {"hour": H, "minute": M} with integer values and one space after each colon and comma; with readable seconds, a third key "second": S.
{"hour": 6, "minute": 35, "second": 51}
